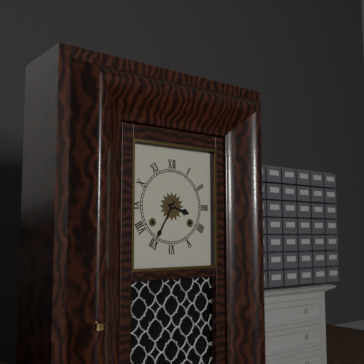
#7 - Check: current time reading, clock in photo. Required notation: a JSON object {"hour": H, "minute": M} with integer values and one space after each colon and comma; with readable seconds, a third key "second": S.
{"hour": 3, "minute": 35}
